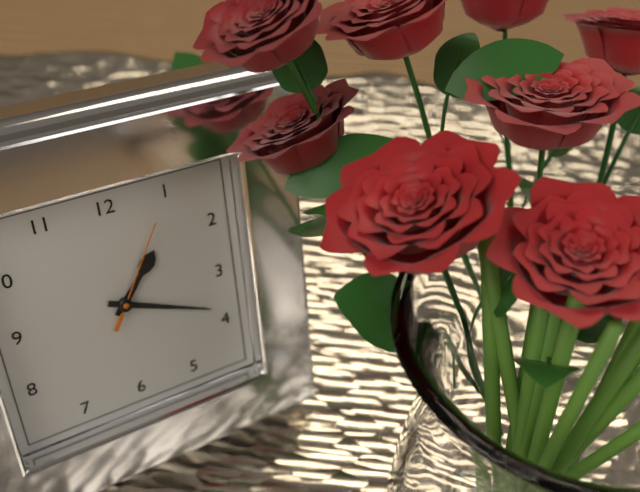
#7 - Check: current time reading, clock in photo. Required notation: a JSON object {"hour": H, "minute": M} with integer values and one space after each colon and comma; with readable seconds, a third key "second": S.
{"hour": 1, "minute": 19, "second": 5}
